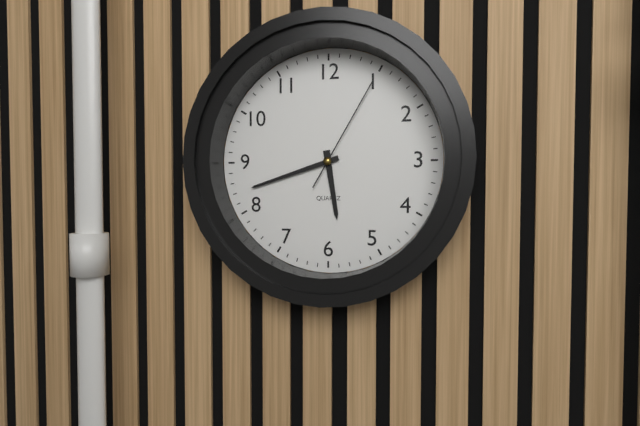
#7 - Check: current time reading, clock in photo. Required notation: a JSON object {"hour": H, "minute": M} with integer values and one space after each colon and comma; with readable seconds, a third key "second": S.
{"hour": 5, "minute": 42, "second": 5}
